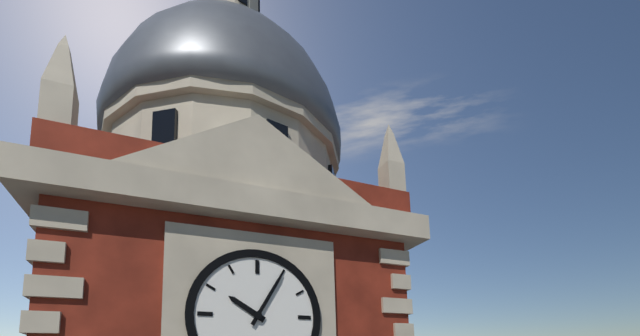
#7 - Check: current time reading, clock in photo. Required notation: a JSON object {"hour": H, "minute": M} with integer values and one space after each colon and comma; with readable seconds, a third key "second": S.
{"hour": 10, "minute": 5}
